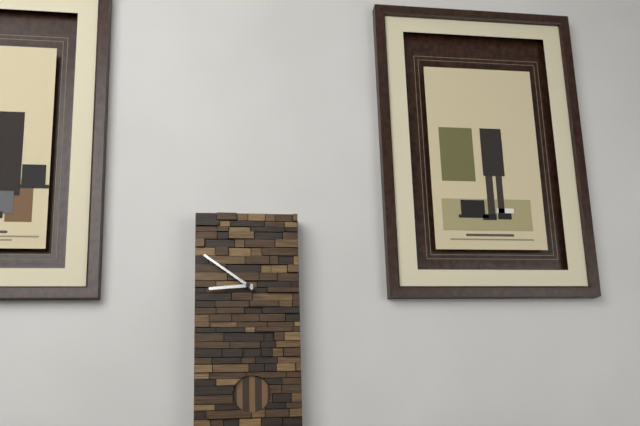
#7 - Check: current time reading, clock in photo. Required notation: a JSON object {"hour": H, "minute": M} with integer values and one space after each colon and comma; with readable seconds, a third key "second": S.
{"hour": 8, "minute": 51}
